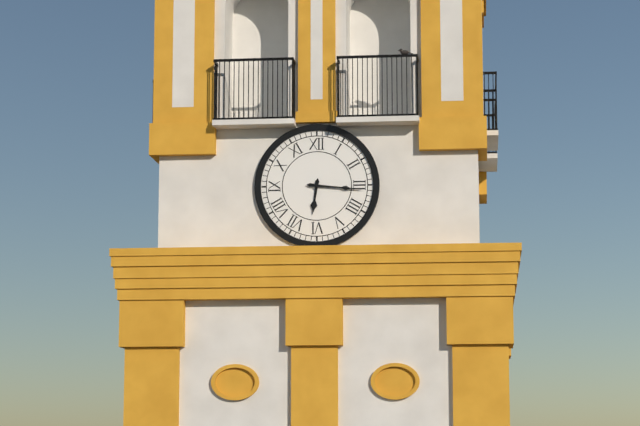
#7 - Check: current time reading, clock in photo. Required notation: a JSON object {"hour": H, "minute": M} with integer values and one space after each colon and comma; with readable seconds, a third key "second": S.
{"hour": 6, "minute": 16}
